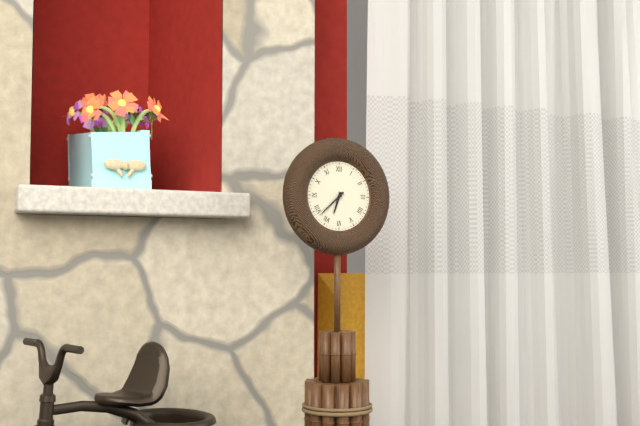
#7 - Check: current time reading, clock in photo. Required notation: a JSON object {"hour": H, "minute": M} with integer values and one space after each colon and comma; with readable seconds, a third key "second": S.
{"hour": 6, "minute": 38}
